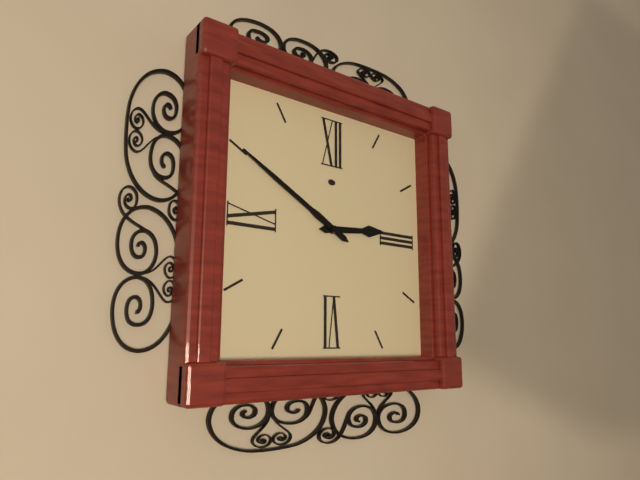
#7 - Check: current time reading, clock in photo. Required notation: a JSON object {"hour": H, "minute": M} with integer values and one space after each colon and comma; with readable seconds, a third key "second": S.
{"hour": 2, "minute": 50}
